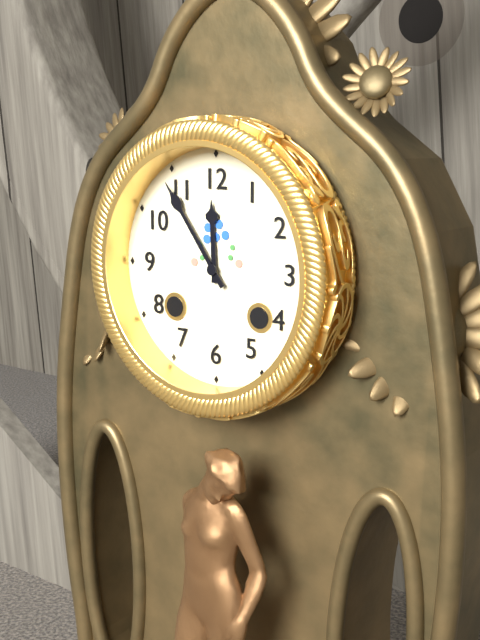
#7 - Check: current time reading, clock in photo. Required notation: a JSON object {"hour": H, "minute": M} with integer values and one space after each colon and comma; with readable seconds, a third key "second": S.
{"hour": 11, "minute": 54}
